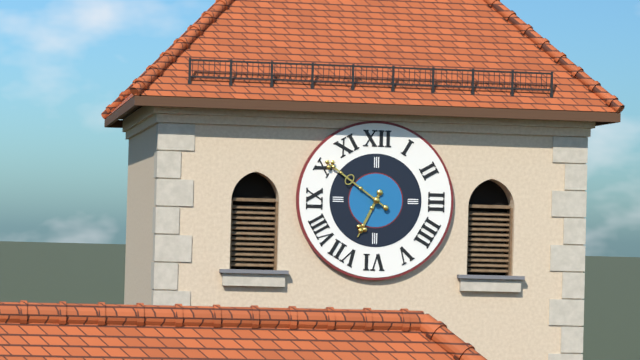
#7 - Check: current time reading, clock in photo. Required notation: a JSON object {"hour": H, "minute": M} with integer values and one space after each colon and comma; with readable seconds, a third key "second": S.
{"hour": 6, "minute": 51}
